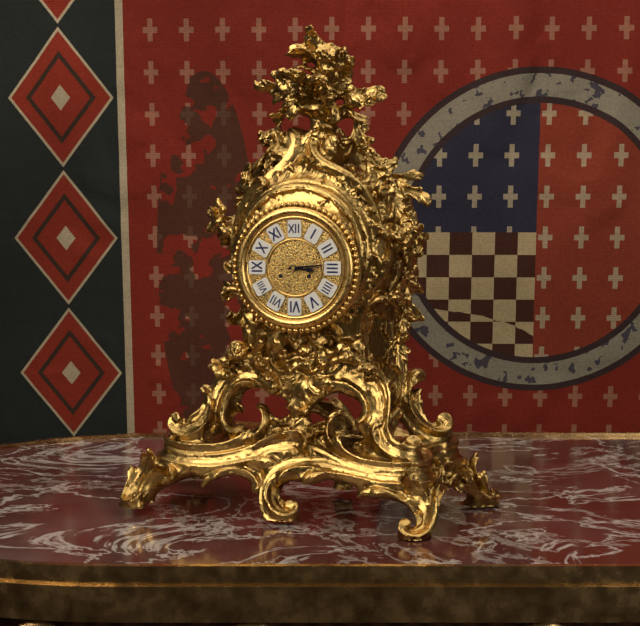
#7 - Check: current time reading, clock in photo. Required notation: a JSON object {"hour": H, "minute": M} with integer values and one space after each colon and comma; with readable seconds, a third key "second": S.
{"hour": 3, "minute": 14}
